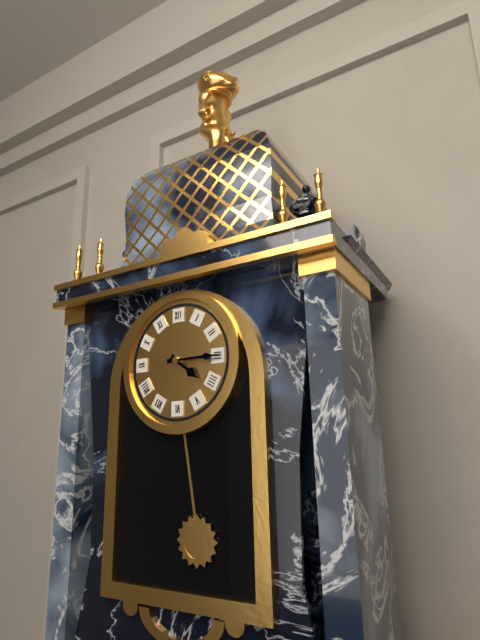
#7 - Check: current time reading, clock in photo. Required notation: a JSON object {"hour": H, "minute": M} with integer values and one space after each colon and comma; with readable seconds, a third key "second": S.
{"hour": 4, "minute": 15}
